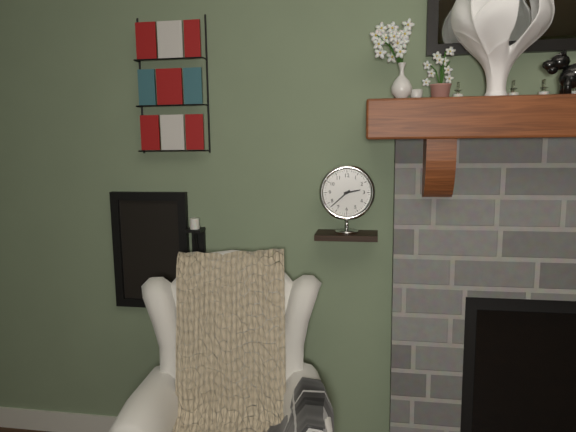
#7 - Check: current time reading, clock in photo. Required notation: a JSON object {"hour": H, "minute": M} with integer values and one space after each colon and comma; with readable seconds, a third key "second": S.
{"hour": 2, "minute": 38}
